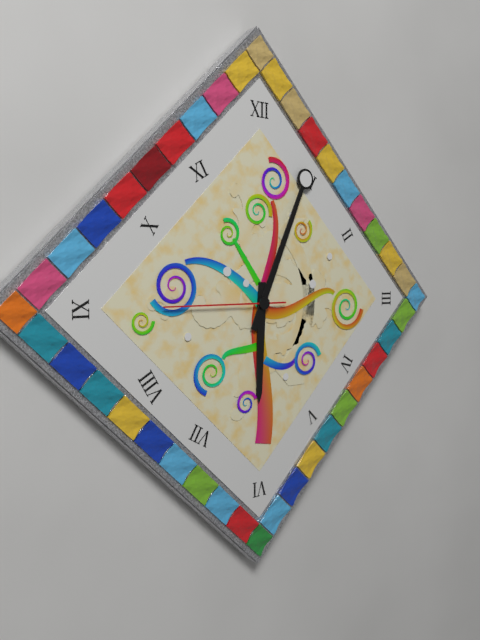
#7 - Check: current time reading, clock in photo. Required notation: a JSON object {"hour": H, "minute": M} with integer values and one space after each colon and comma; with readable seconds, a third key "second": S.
{"hour": 6, "minute": 4, "second": 45}
